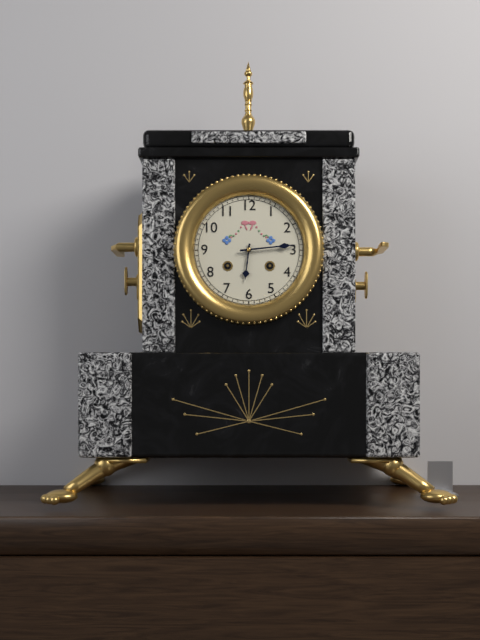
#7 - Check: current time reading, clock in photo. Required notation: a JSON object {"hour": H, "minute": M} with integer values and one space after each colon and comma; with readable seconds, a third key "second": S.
{"hour": 6, "minute": 14}
